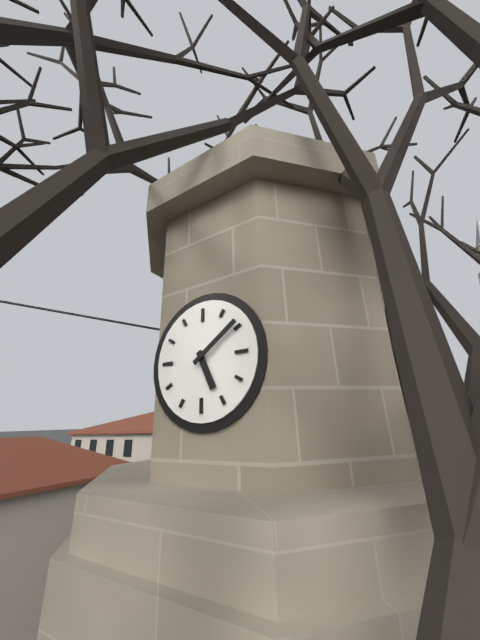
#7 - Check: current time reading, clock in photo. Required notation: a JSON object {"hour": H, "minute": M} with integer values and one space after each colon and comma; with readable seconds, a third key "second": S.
{"hour": 5, "minute": 9}
